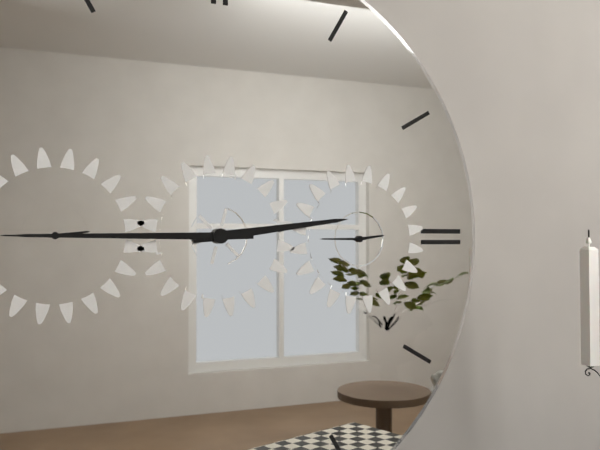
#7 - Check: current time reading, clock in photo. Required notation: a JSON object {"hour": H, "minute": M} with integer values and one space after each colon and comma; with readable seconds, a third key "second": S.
{"hour": 2, "minute": 45}
